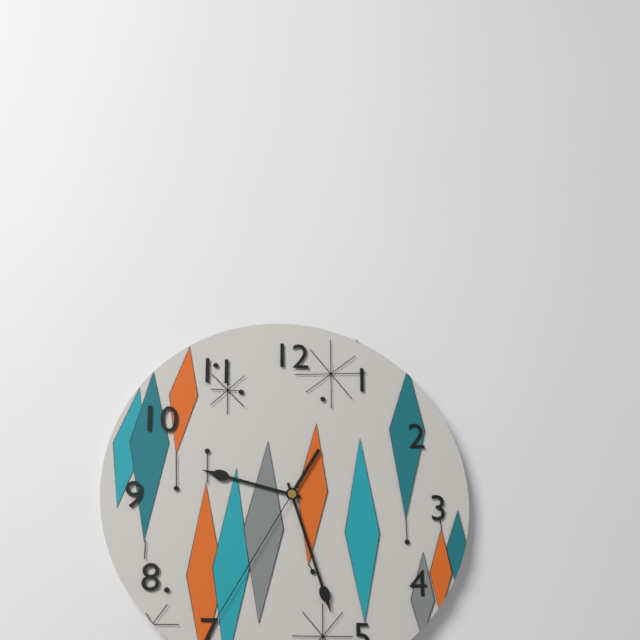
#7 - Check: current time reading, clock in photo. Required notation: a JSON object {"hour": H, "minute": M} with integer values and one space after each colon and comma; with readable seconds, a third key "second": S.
{"hour": 9, "minute": 27, "second": 35}
